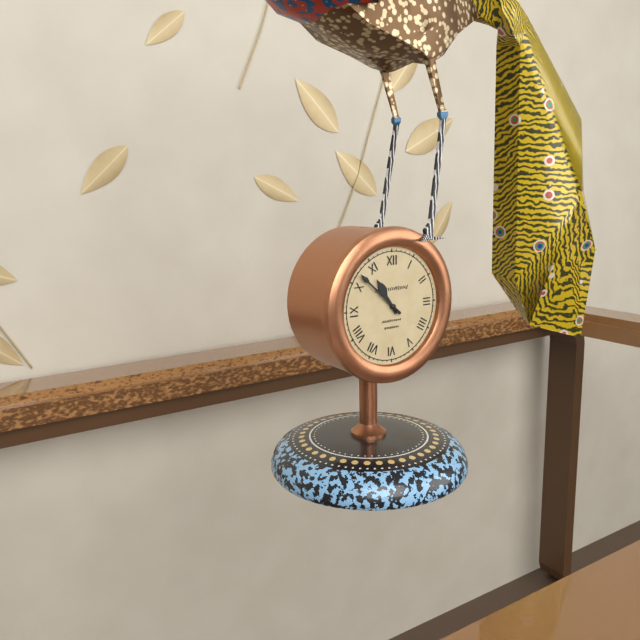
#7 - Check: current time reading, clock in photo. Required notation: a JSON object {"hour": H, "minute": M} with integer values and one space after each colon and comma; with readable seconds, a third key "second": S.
{"hour": 10, "minute": 52}
